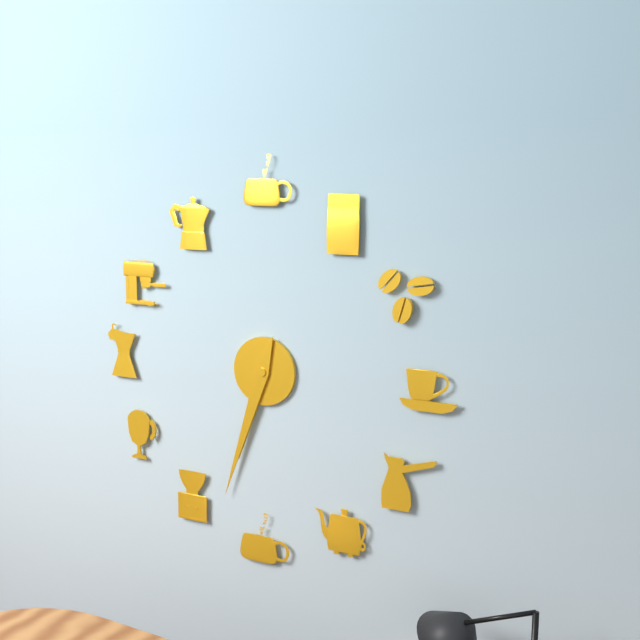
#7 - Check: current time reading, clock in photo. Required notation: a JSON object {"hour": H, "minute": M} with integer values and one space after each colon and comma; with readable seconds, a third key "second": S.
{"hour": 6, "minute": 33}
